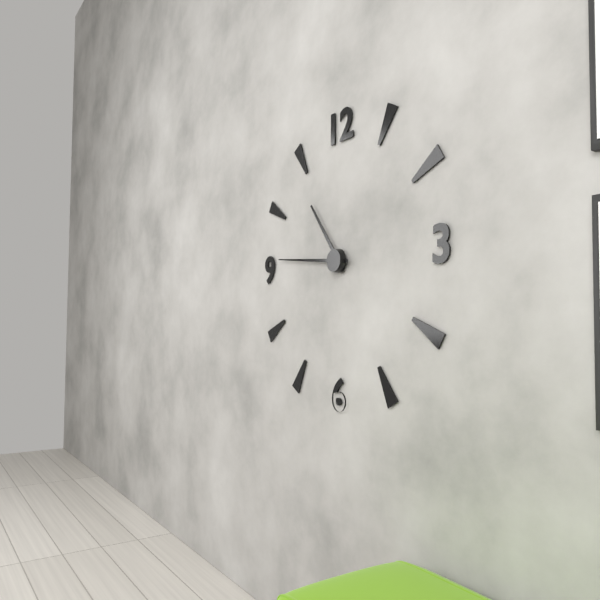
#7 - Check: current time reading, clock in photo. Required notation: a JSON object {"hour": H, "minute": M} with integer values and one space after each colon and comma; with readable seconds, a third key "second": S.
{"hour": 10, "minute": 46}
